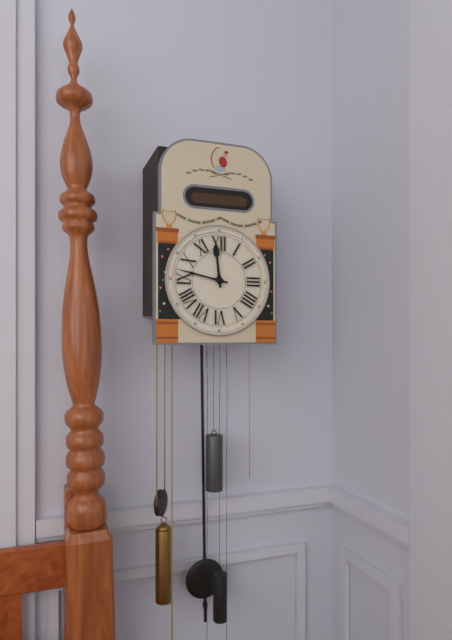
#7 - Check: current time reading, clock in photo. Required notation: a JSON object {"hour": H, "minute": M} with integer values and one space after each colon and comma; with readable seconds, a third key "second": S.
{"hour": 11, "minute": 47}
